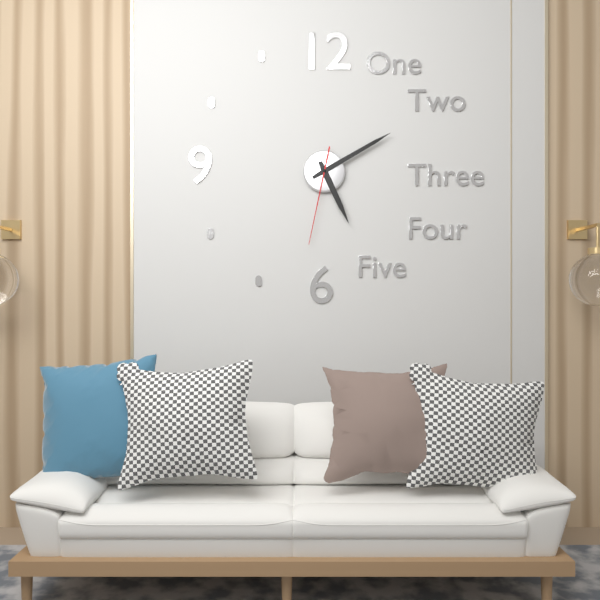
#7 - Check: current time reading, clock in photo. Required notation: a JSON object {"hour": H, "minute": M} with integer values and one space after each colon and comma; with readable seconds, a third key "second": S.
{"hour": 5, "minute": 10, "second": 32}
